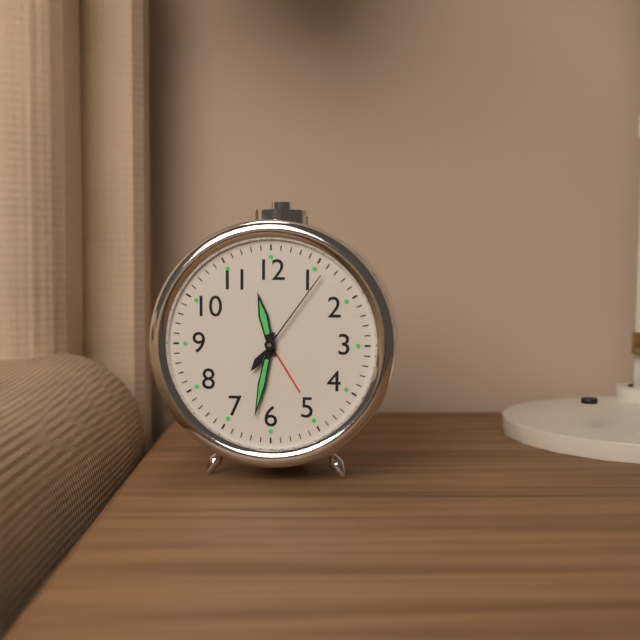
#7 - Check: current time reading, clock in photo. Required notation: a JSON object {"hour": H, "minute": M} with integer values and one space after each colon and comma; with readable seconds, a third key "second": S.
{"hour": 11, "minute": 32, "second": 6}
